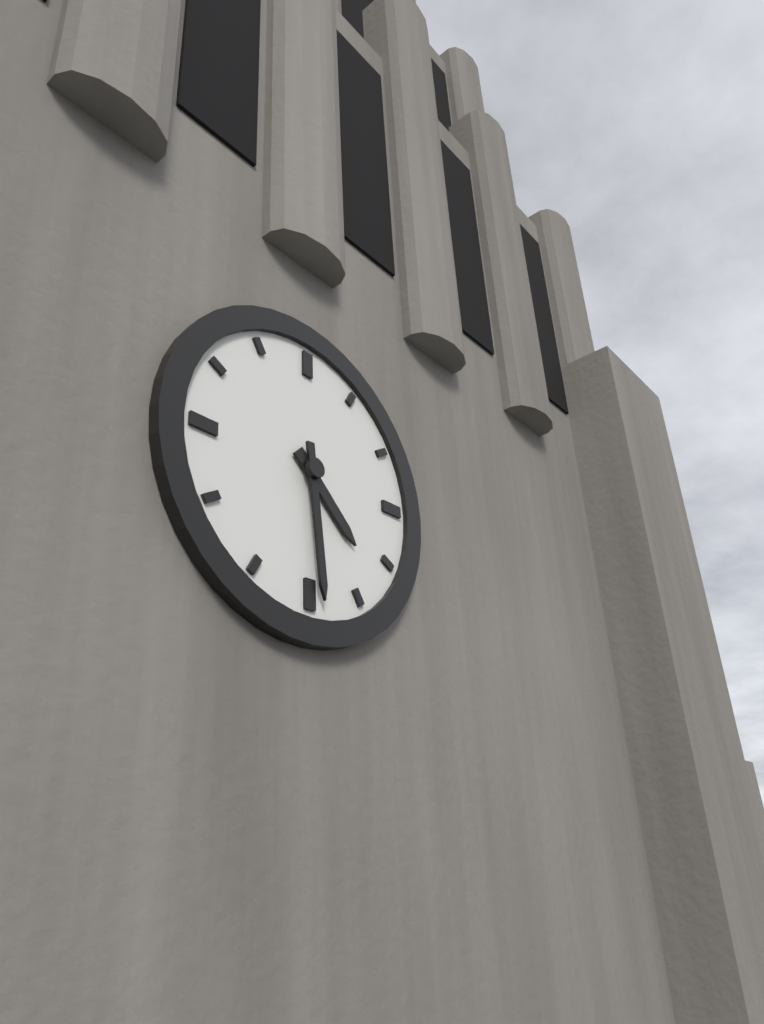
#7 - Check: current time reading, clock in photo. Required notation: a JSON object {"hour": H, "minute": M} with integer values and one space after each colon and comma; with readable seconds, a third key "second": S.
{"hour": 4, "minute": 29}
